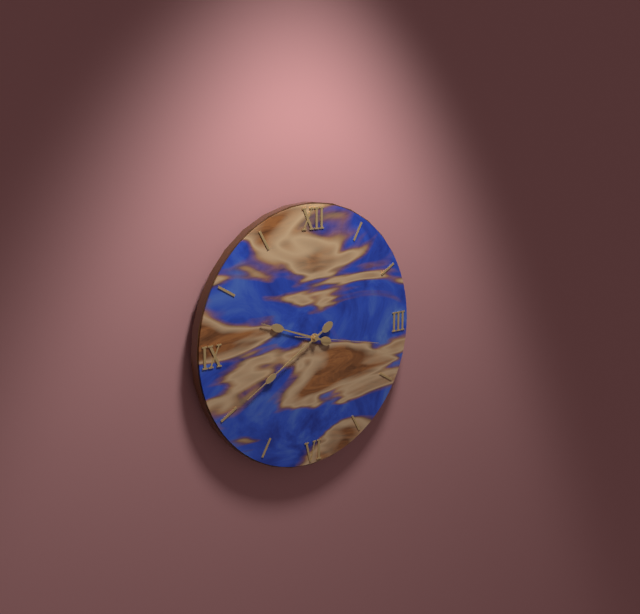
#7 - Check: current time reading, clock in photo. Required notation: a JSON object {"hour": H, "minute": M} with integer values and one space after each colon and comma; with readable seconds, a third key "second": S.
{"hour": 9, "minute": 40, "second": 17}
